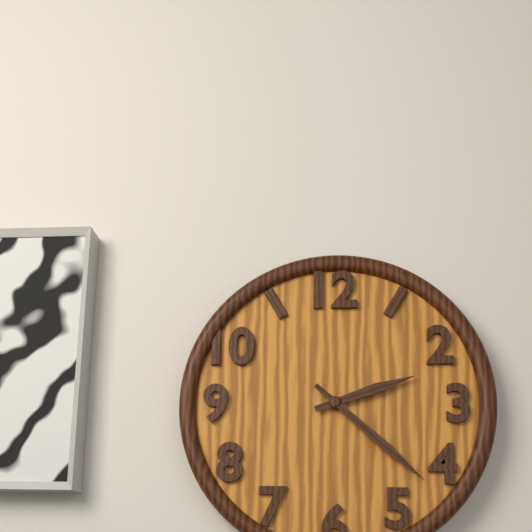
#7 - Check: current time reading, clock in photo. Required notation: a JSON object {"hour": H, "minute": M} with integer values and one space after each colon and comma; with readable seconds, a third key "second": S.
{"hour": 2, "minute": 22}
